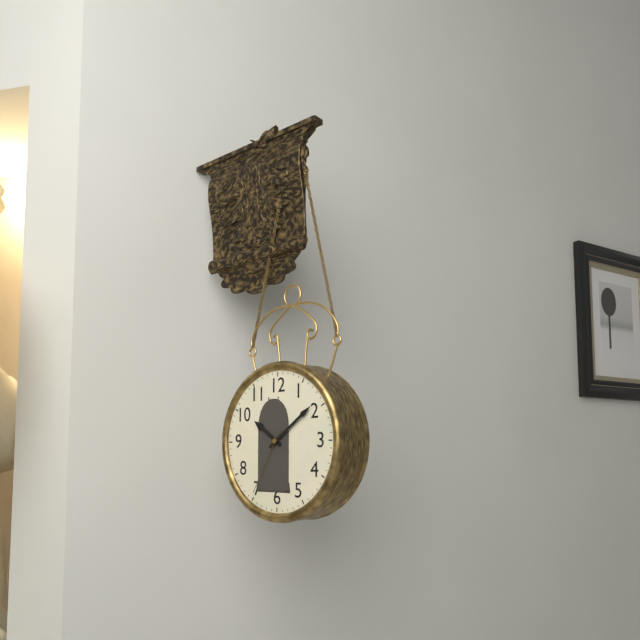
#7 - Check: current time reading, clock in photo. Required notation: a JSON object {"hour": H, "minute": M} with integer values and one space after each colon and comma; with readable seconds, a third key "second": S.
{"hour": 10, "minute": 9, "second": 35}
